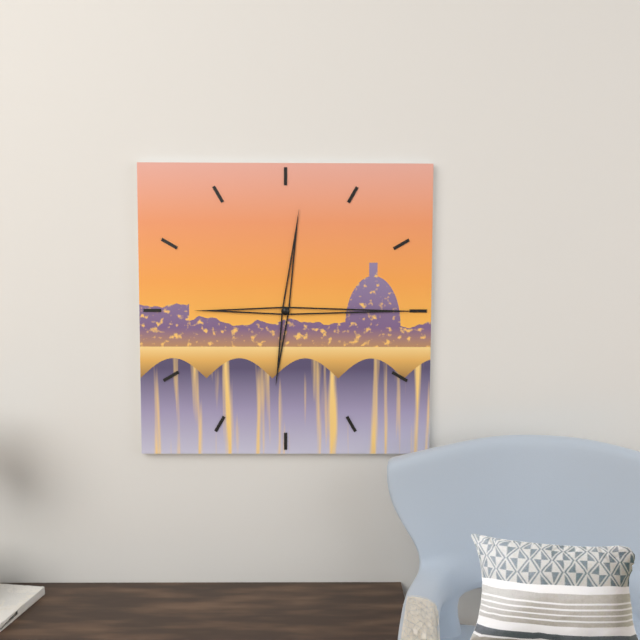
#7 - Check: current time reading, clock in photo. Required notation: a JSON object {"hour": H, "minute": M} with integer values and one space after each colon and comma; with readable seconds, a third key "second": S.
{"hour": 12, "minute": 15}
